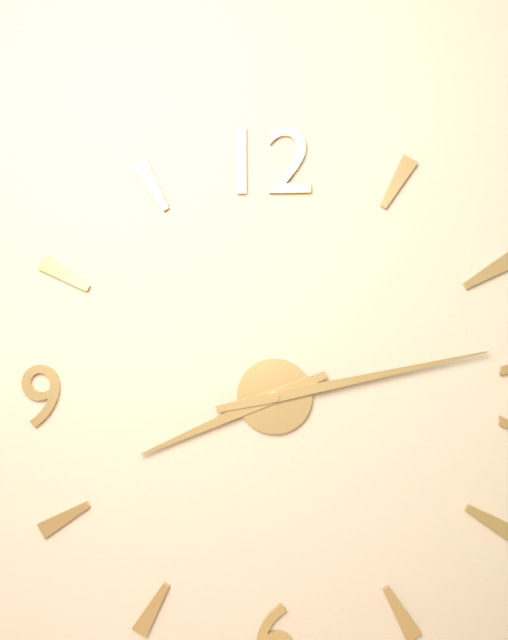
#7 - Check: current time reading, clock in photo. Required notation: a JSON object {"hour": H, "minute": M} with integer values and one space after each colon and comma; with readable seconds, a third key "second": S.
{"hour": 8, "minute": 13}
